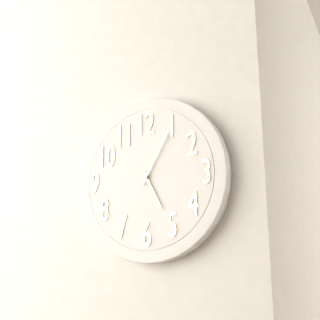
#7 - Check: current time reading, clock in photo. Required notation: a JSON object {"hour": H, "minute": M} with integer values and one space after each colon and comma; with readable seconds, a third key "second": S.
{"hour": 5, "minute": 5}
